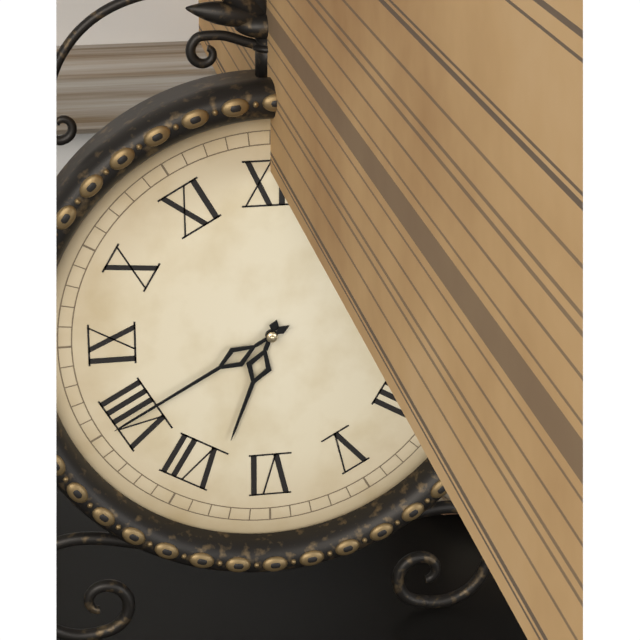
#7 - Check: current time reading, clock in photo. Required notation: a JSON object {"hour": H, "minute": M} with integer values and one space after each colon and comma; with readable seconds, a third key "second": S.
{"hour": 6, "minute": 40}
